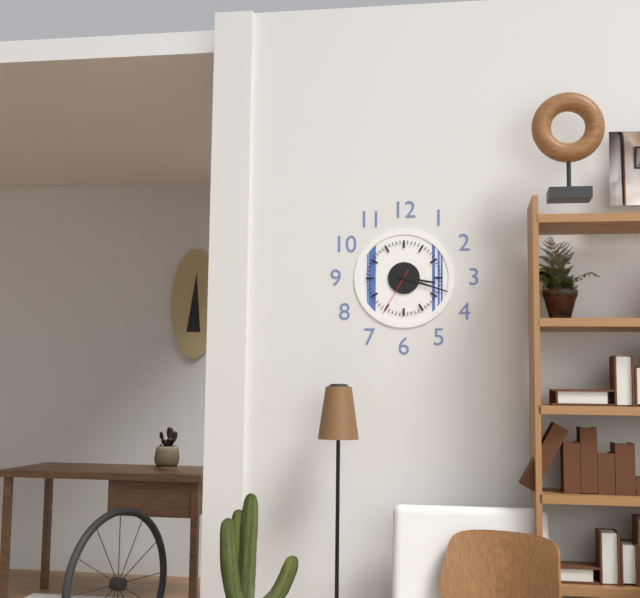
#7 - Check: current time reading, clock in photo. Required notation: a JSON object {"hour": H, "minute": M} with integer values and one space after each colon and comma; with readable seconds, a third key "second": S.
{"hour": 3, "minute": 18, "second": 35}
